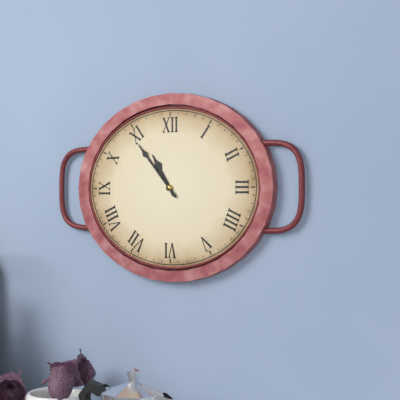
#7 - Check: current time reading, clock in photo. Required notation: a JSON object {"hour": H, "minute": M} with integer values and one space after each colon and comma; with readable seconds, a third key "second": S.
{"hour": 10, "minute": 53}
